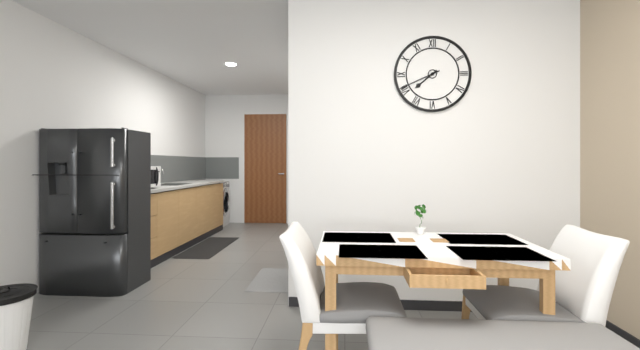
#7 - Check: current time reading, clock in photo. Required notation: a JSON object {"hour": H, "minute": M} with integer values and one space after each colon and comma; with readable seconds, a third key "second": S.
{"hour": 7, "minute": 41}
